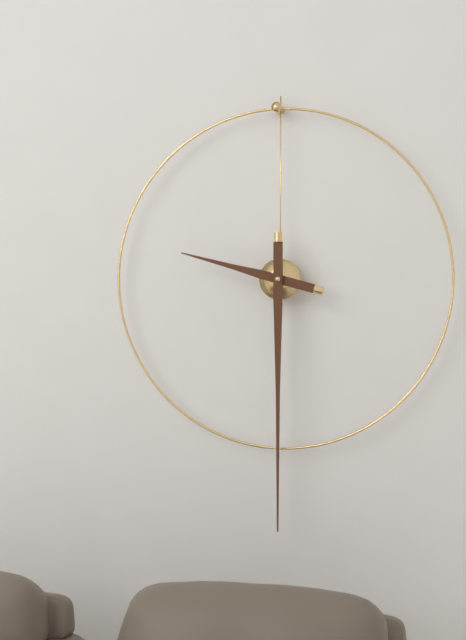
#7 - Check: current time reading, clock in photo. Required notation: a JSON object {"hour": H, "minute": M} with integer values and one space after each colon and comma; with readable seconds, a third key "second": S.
{"hour": 9, "minute": 30}
